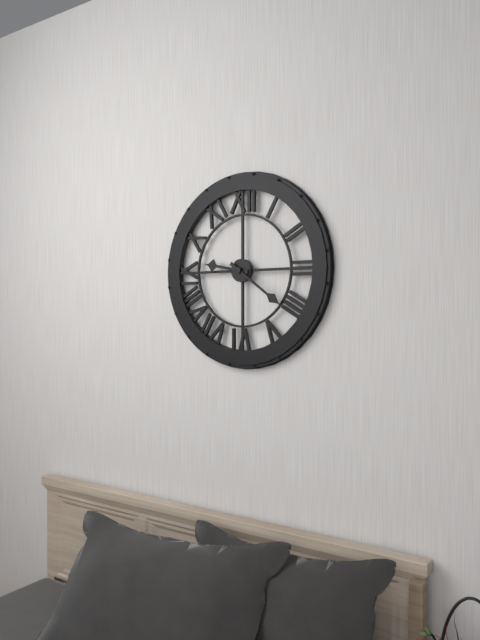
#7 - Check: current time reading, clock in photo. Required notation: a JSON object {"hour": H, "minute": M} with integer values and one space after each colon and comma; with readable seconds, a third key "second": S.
{"hour": 9, "minute": 21}
